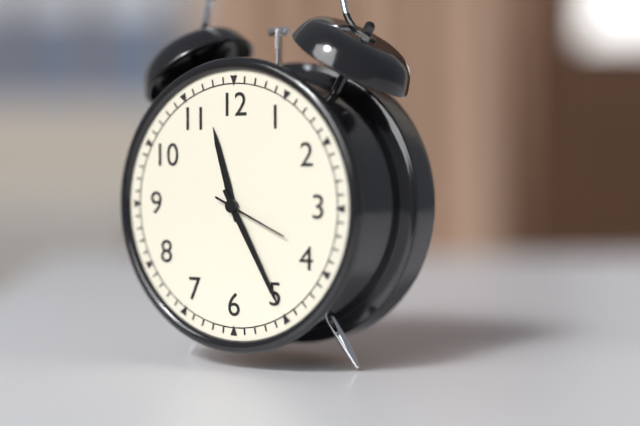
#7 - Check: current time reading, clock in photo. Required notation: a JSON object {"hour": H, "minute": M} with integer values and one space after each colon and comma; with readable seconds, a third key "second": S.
{"hour": 11, "minute": 25, "second": 19}
